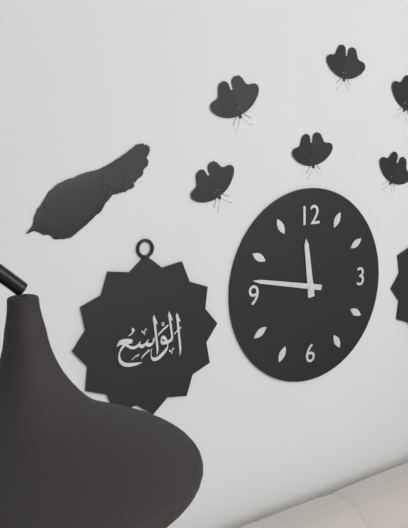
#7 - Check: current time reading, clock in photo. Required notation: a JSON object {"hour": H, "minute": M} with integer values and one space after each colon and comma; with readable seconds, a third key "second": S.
{"hour": 11, "minute": 47}
